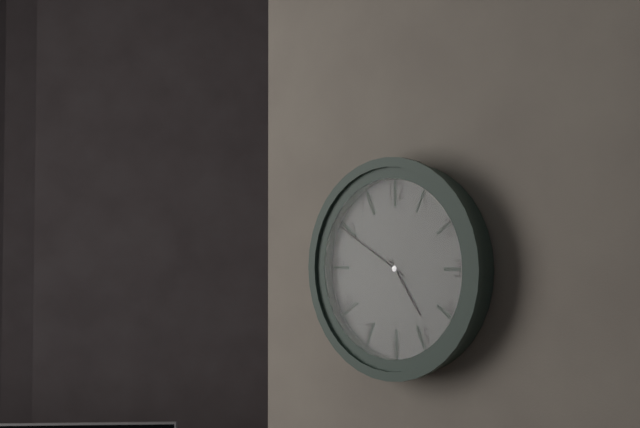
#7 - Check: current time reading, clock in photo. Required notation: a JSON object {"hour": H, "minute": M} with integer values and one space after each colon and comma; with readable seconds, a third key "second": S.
{"hour": 4, "minute": 50}
